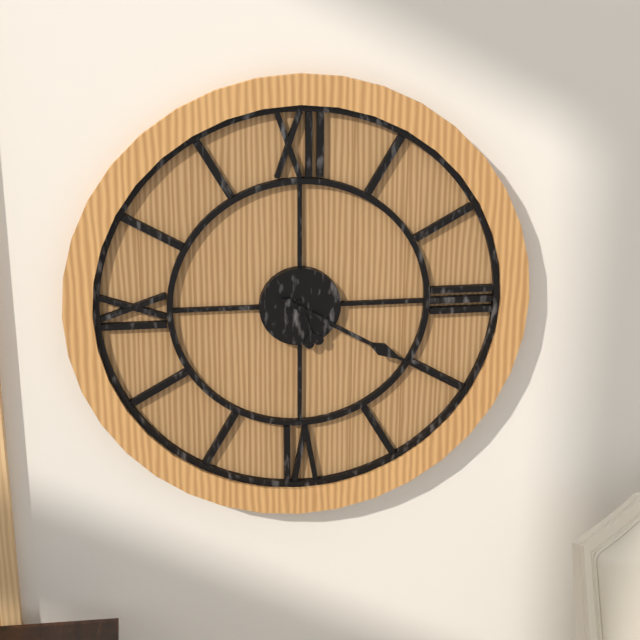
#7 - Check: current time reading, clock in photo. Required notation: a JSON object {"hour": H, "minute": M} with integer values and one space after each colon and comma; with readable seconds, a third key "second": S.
{"hour": 5, "minute": 20}
